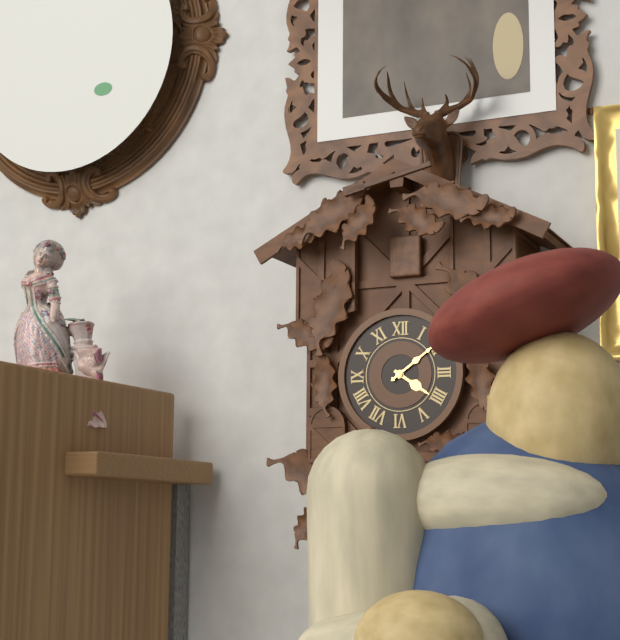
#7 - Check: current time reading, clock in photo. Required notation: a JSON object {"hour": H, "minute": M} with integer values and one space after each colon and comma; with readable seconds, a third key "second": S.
{"hour": 4, "minute": 9}
